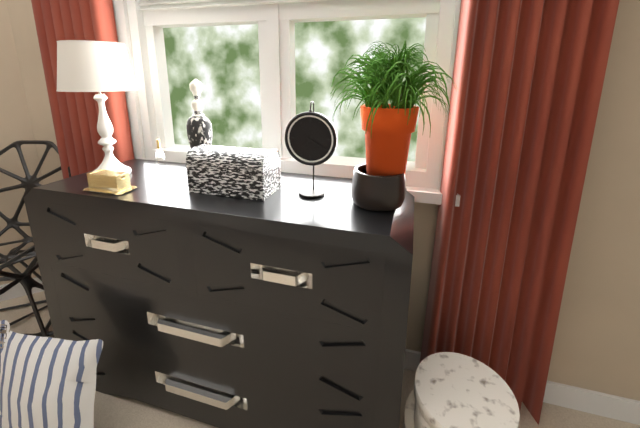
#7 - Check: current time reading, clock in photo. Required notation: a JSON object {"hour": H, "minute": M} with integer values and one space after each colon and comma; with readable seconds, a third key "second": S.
{"hour": 7, "minute": 20}
